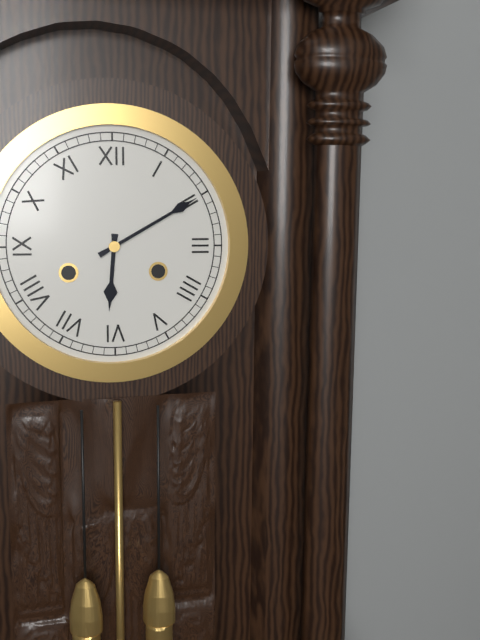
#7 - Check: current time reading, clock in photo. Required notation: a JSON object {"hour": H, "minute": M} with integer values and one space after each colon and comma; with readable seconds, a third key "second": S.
{"hour": 6, "minute": 10}
